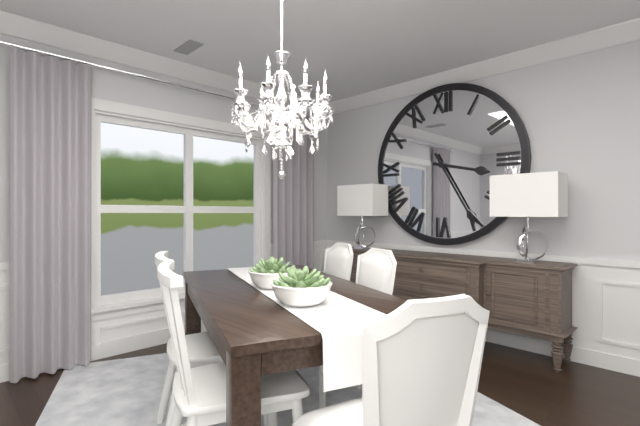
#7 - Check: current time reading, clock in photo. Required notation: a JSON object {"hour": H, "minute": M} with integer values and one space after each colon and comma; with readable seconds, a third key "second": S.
{"hour": 3, "minute": 25}
